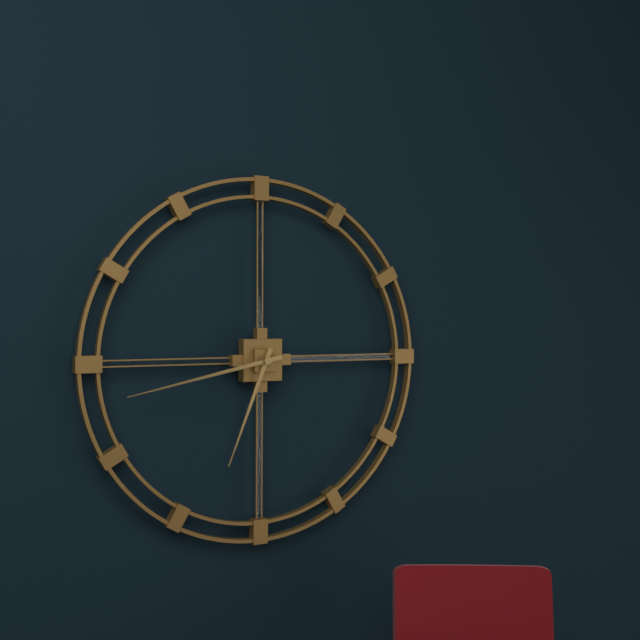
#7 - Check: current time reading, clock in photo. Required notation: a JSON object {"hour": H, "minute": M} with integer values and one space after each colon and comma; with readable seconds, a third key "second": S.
{"hour": 6, "minute": 43}
